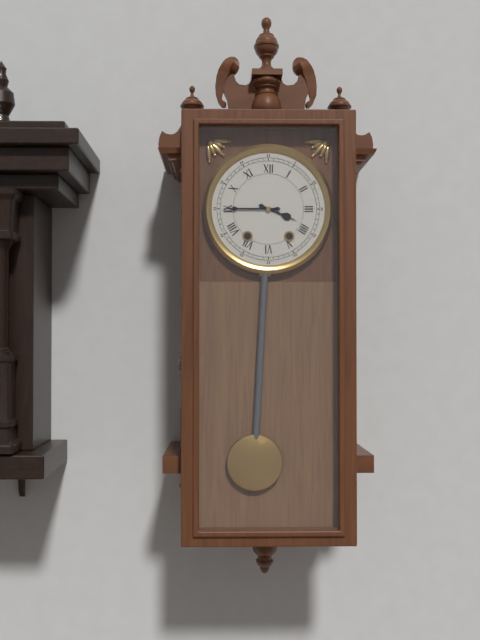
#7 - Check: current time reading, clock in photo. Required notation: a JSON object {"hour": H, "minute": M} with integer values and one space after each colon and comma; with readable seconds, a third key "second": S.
{"hour": 3, "minute": 45}
